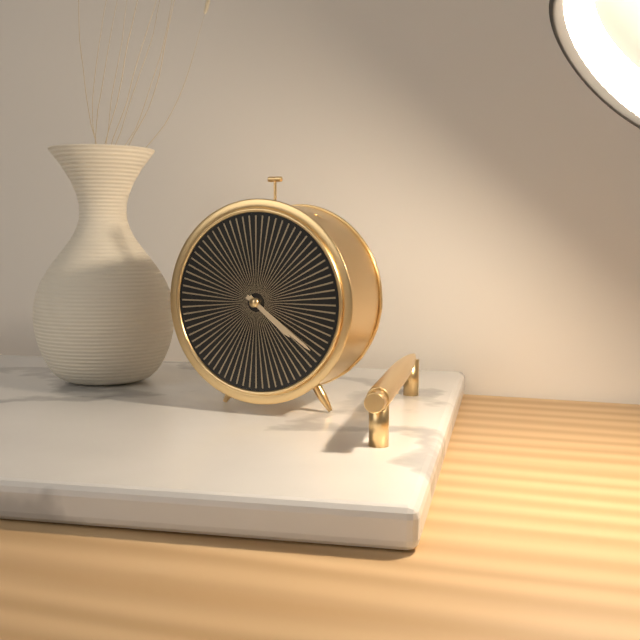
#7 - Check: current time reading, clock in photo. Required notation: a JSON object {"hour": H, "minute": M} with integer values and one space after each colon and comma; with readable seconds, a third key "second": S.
{"hour": 4, "minute": 21}
